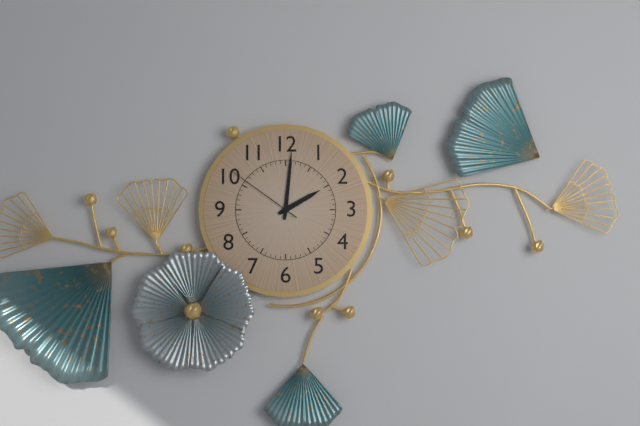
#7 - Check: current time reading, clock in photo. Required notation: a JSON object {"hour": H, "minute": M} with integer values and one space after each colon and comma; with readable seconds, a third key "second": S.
{"hour": 2, "minute": 1, "second": 51}
